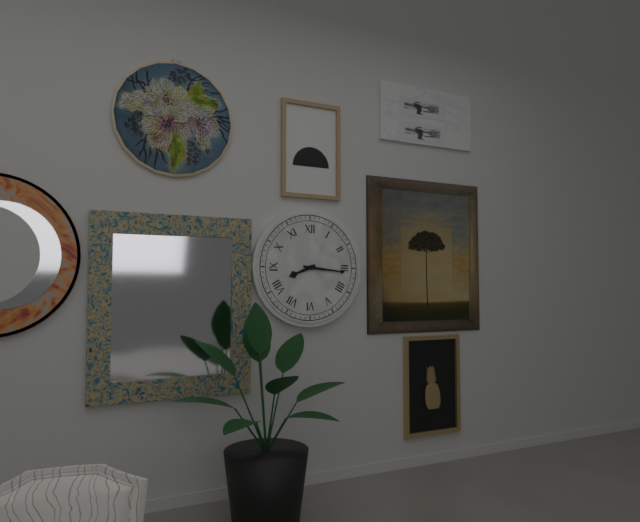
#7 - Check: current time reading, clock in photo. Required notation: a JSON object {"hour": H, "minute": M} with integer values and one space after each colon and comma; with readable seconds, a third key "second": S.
{"hour": 8, "minute": 16}
